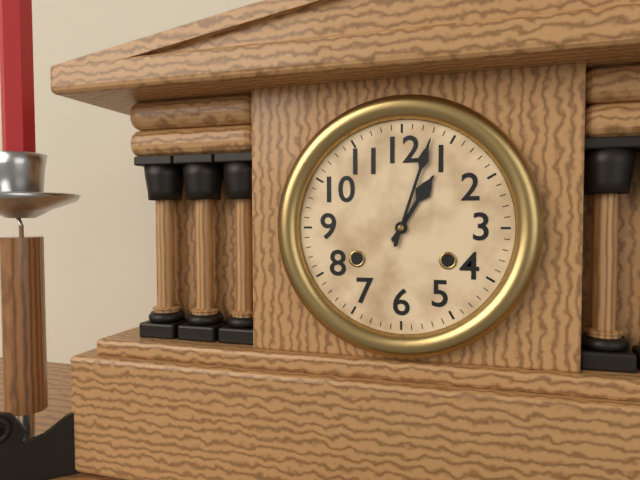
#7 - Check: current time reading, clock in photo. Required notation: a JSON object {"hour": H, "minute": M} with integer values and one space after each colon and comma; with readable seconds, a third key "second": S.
{"hour": 1, "minute": 3}
